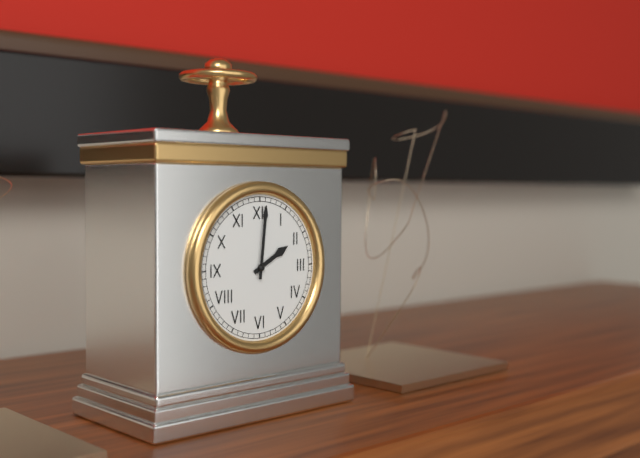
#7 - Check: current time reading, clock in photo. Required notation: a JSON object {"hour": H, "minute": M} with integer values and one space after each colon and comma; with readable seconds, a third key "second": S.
{"hour": 2, "minute": 1}
